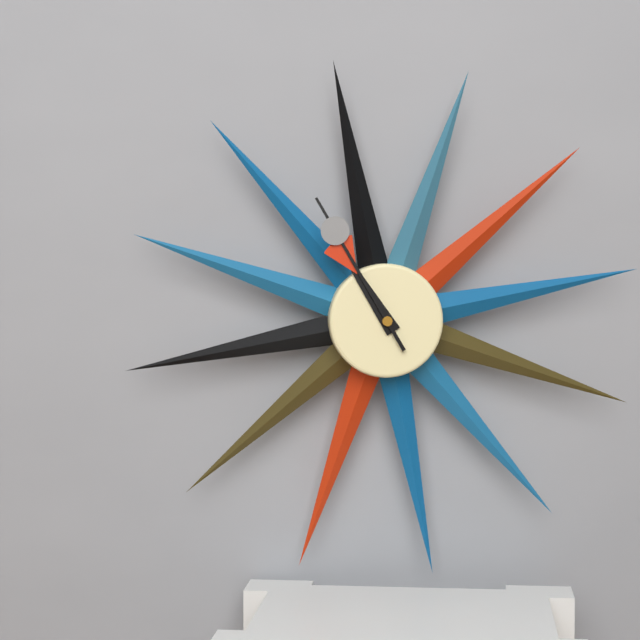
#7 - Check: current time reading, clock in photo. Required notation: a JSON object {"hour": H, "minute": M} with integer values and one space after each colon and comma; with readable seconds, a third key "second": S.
{"hour": 10, "minute": 55}
